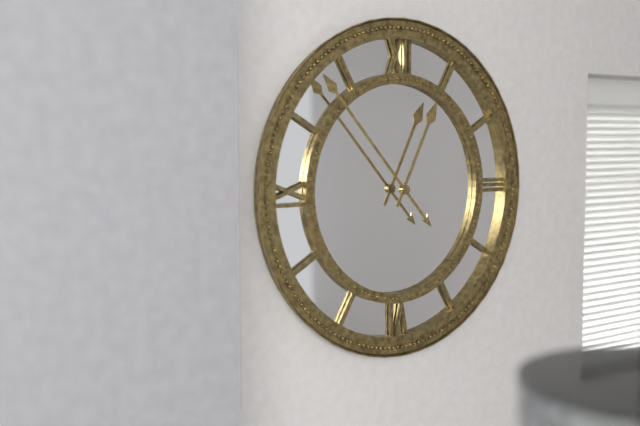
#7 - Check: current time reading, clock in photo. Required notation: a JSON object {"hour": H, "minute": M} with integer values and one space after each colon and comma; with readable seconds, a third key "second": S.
{"hour": 12, "minute": 53}
